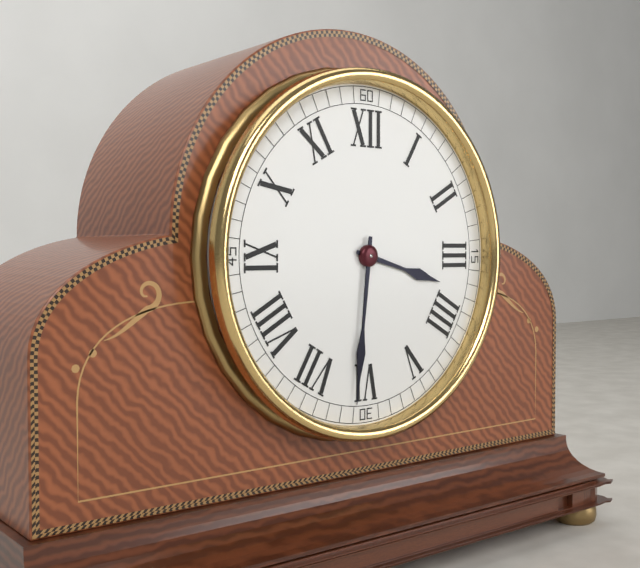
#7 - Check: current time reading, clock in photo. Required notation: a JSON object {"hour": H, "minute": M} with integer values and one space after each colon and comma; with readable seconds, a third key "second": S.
{"hour": 3, "minute": 31}
